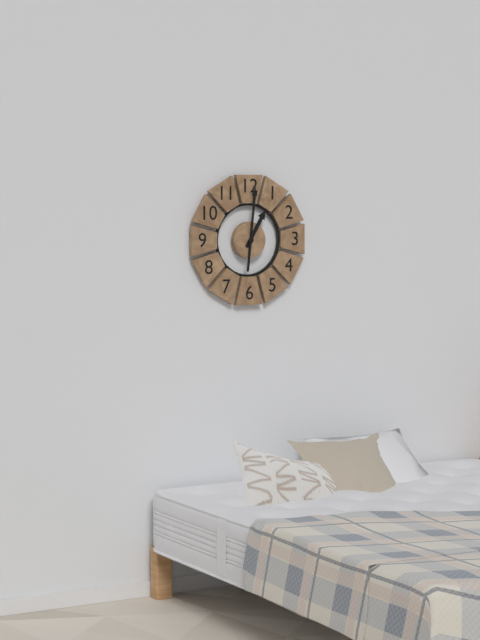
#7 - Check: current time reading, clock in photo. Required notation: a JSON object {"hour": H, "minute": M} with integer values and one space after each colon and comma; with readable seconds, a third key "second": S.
{"hour": 1, "minute": 1}
